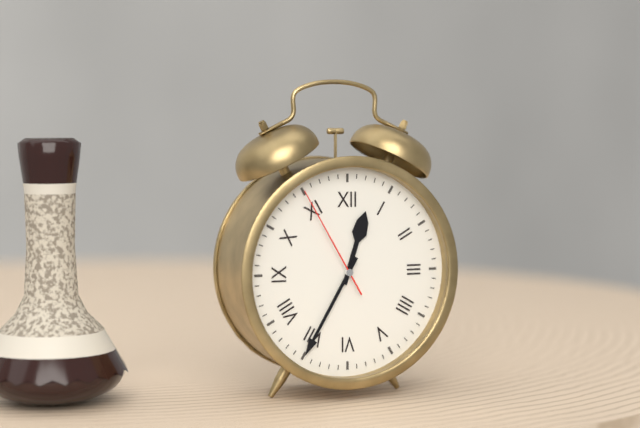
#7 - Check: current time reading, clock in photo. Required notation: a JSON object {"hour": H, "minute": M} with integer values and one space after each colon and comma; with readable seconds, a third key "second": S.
{"hour": 12, "minute": 35, "second": 55}
